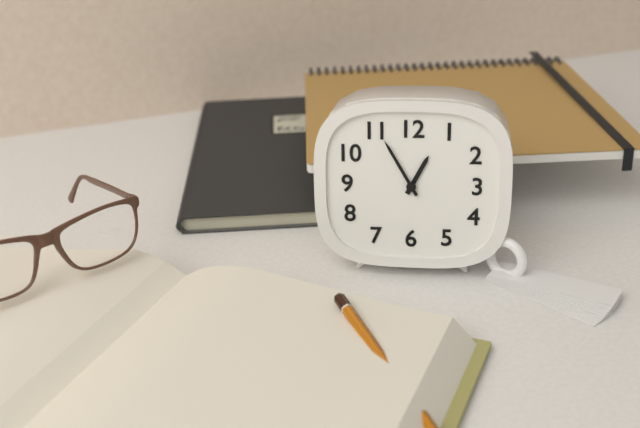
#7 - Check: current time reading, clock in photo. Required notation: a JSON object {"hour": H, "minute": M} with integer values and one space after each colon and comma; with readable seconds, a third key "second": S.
{"hour": 12, "minute": 55}
